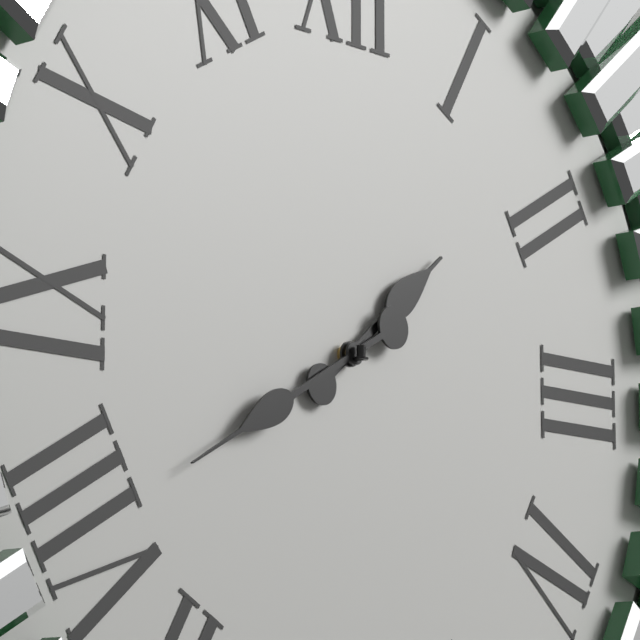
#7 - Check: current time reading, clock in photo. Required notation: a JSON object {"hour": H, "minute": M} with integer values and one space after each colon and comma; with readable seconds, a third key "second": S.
{"hour": 1, "minute": 40}
